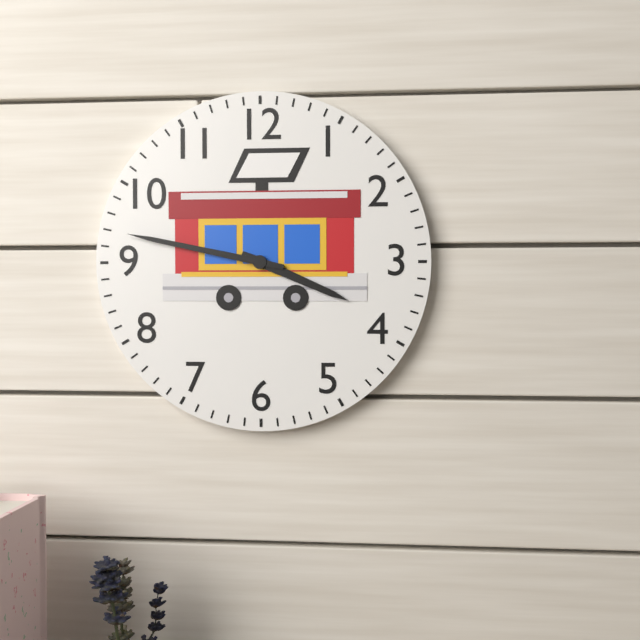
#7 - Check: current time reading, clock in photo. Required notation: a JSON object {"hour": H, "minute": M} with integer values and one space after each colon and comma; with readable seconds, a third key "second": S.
{"hour": 3, "minute": 47}
